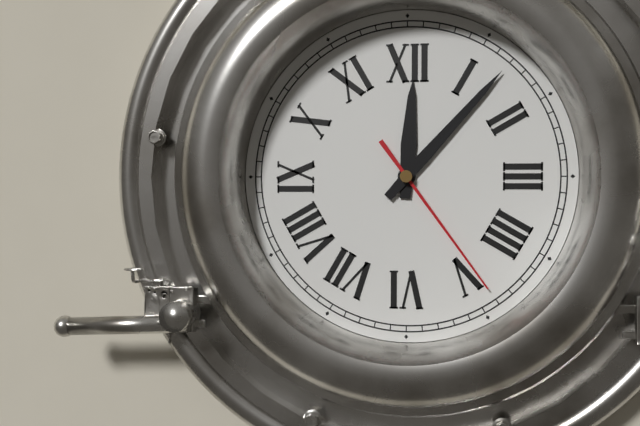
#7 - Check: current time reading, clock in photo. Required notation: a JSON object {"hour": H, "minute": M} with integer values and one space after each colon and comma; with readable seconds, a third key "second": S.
{"hour": 12, "minute": 7, "second": 24}
